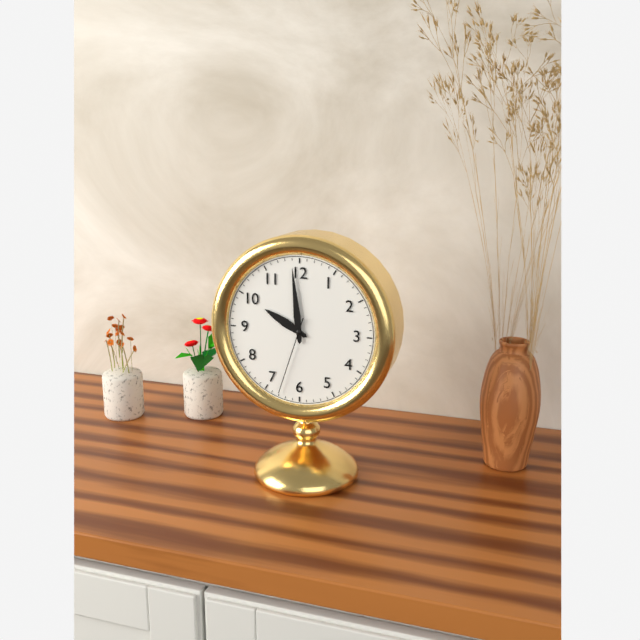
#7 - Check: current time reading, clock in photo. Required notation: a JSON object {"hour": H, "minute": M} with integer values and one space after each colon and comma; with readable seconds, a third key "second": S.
{"hour": 9, "minute": 59, "second": 33}
